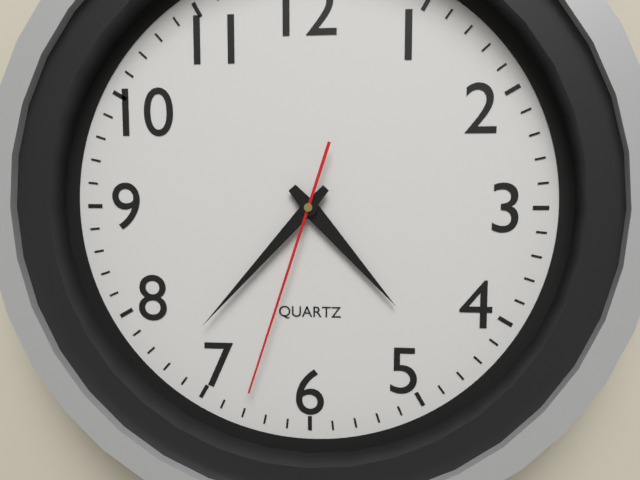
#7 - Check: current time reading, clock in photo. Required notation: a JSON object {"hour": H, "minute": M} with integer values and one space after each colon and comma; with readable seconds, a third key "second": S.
{"hour": 4, "minute": 37, "second": 33}
